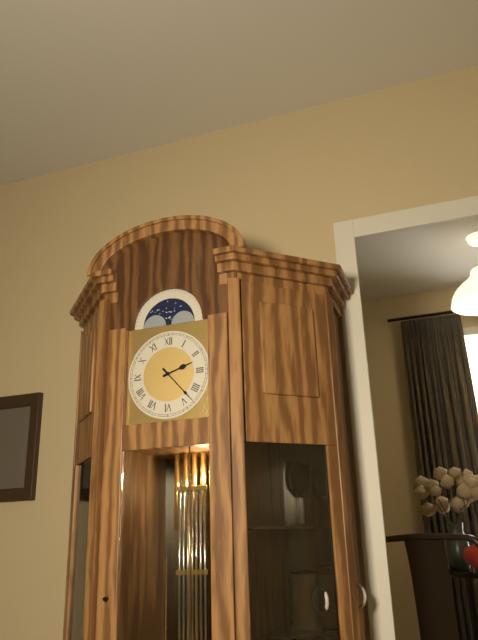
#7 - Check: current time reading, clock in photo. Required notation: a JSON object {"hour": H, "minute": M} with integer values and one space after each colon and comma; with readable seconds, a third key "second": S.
{"hour": 2, "minute": 23}
